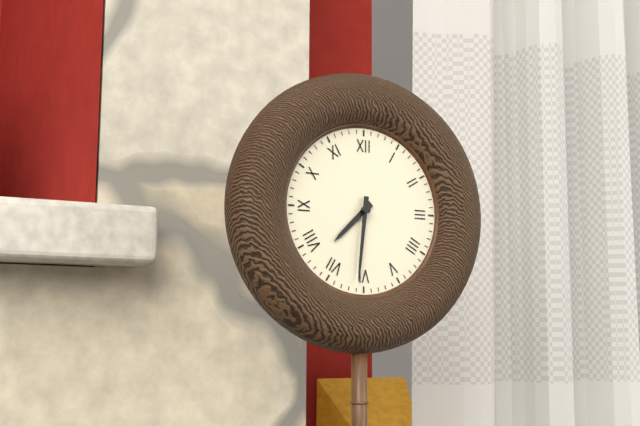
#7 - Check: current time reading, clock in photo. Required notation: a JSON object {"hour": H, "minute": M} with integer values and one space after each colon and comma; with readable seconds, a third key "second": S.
{"hour": 7, "minute": 31}
